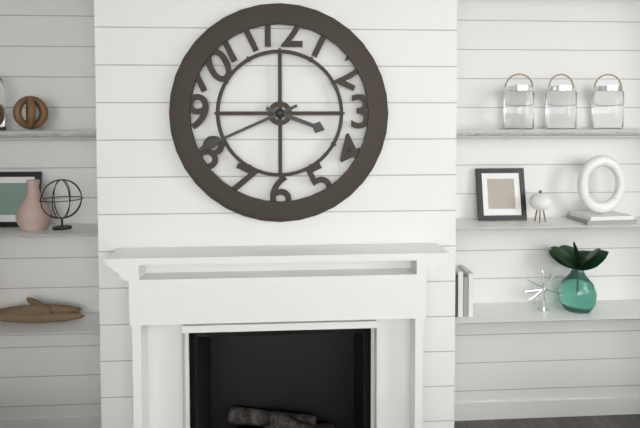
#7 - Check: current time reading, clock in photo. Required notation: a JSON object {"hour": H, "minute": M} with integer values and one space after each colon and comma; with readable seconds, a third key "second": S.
{"hour": 3, "minute": 41}
